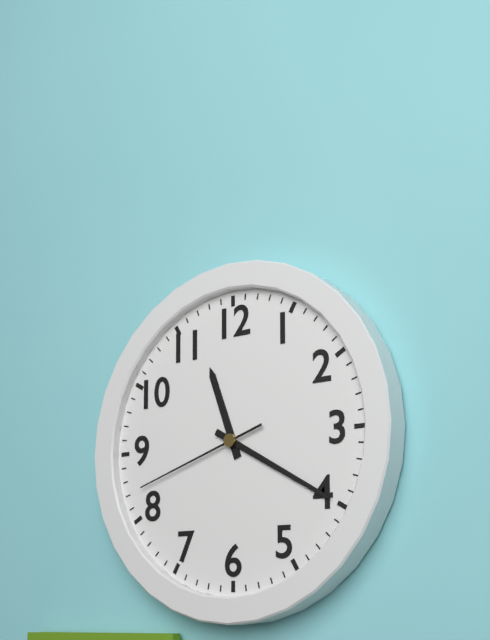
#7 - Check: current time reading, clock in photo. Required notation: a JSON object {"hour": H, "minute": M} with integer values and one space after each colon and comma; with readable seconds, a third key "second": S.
{"hour": 11, "minute": 20, "second": 42}
